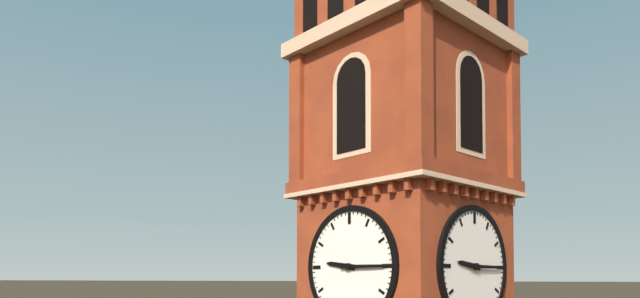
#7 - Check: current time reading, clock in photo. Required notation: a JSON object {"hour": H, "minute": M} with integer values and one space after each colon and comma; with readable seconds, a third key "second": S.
{"hour": 9, "minute": 15}
